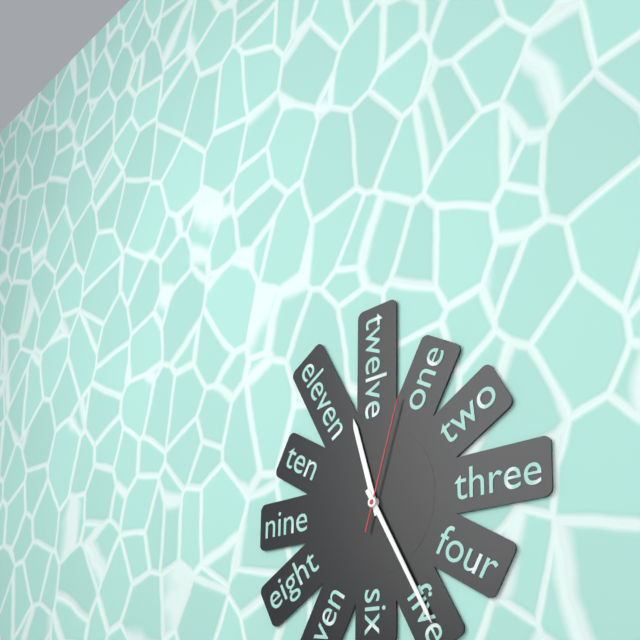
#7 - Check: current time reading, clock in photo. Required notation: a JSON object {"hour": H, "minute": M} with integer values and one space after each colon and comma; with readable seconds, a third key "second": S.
{"hour": 11, "minute": 25, "second": 3}
